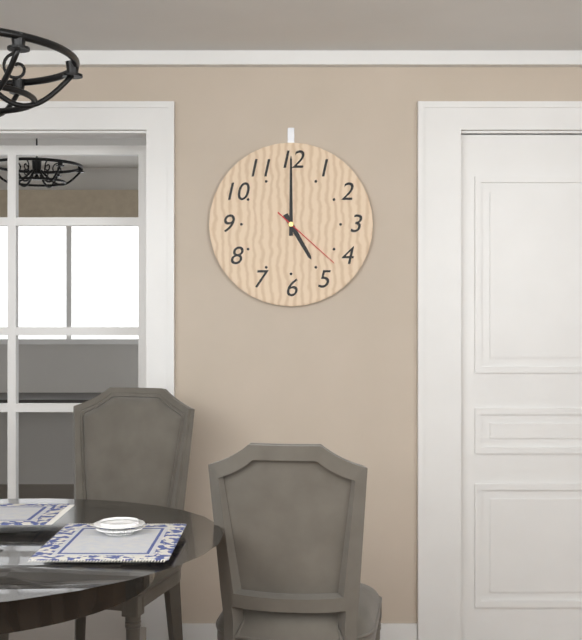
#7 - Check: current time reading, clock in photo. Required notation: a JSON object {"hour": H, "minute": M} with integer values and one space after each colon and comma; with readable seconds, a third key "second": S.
{"hour": 5, "minute": 0, "second": 22}
